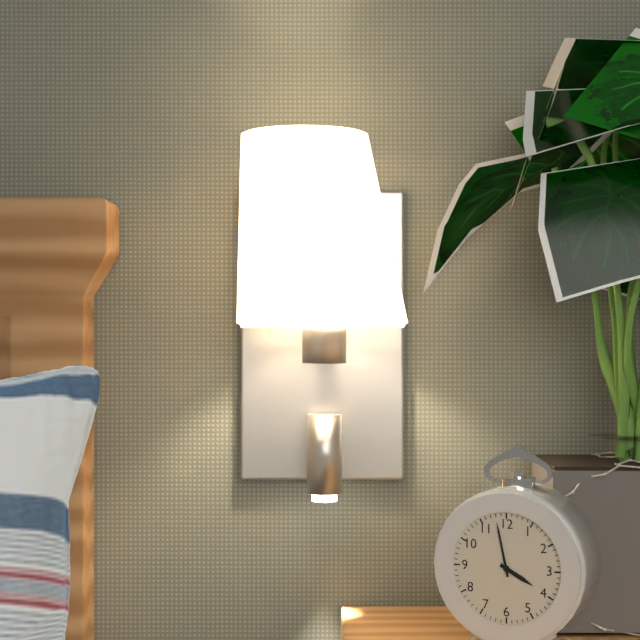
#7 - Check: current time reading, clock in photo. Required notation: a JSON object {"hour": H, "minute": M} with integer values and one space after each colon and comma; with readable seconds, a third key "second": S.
{"hour": 3, "minute": 58}
